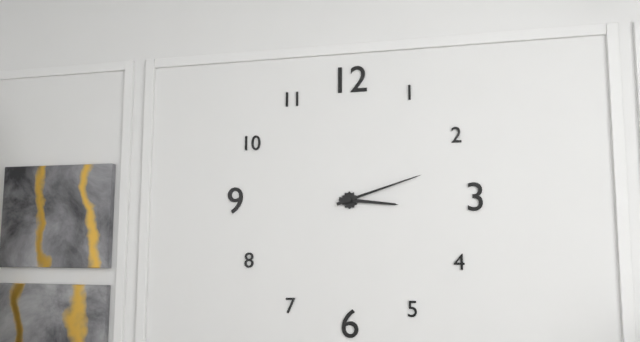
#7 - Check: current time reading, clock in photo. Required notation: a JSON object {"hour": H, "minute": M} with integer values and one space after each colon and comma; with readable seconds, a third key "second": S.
{"hour": 3, "minute": 12}
